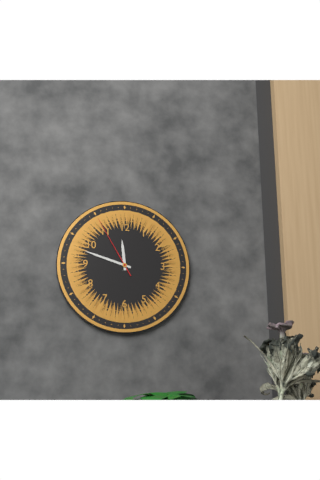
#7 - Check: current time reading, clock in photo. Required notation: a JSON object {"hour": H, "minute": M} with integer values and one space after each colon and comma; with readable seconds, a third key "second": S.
{"hour": 11, "minute": 48, "second": 55}
